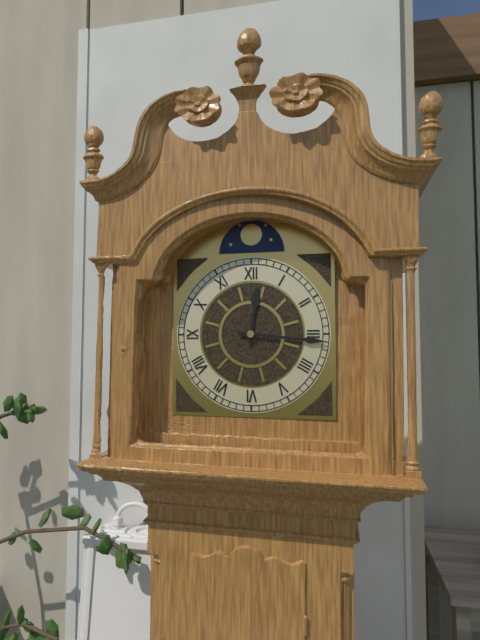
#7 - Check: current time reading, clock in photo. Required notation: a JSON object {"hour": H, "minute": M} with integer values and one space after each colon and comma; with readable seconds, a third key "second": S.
{"hour": 12, "minute": 16}
